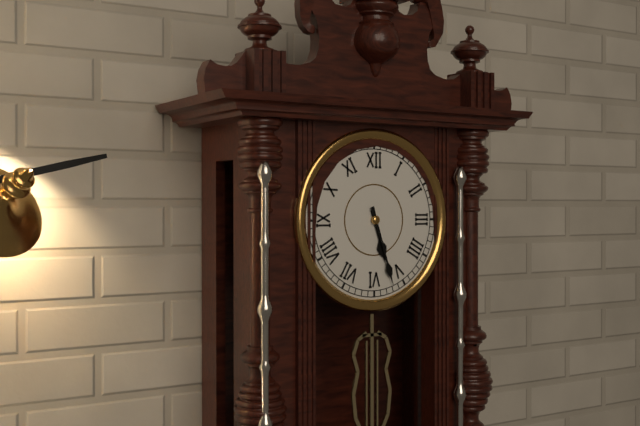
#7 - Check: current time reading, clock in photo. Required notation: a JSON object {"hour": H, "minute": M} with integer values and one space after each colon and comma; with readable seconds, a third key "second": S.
{"hour": 5, "minute": 27}
